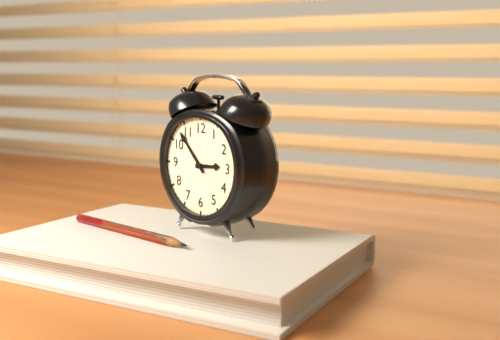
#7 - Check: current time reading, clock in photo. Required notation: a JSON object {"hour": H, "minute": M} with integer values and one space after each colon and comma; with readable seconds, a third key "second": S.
{"hour": 2, "minute": 53}
